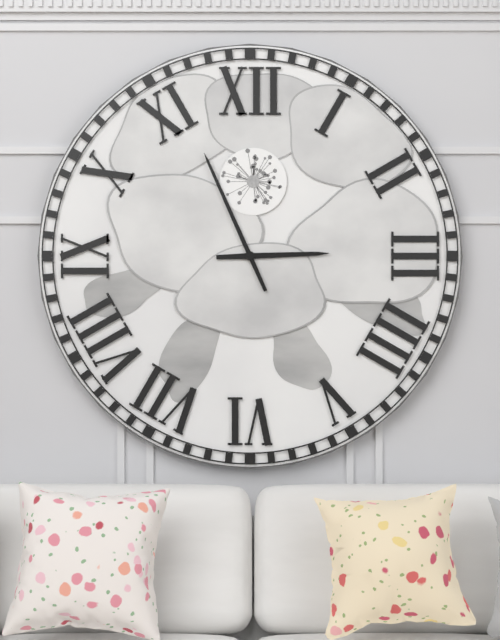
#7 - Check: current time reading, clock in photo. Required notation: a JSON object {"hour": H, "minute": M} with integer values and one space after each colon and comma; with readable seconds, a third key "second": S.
{"hour": 2, "minute": 56}
